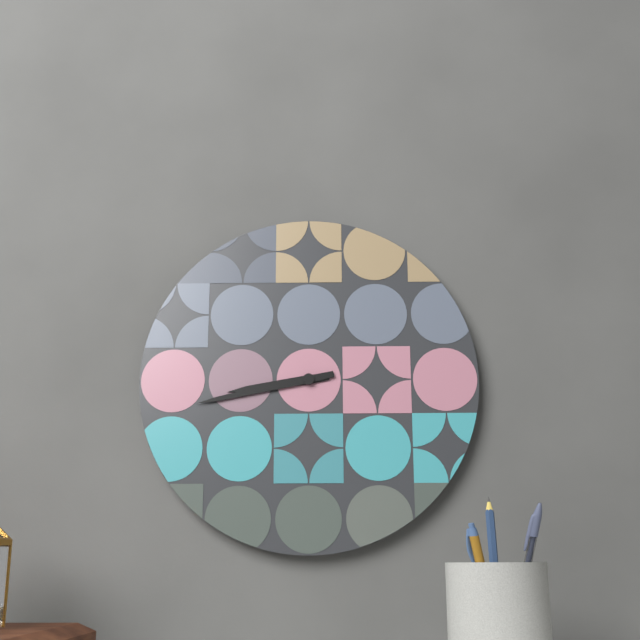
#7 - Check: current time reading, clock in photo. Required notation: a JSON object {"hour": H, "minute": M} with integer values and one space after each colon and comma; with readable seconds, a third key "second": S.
{"hour": 8, "minute": 43}
